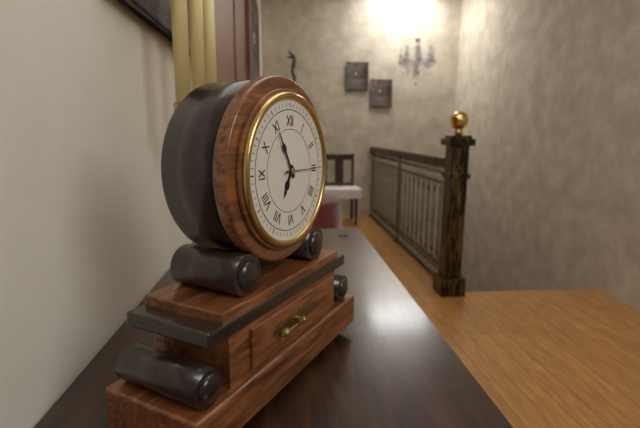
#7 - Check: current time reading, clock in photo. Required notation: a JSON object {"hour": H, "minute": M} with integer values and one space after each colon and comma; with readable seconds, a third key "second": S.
{"hour": 6, "minute": 55}
